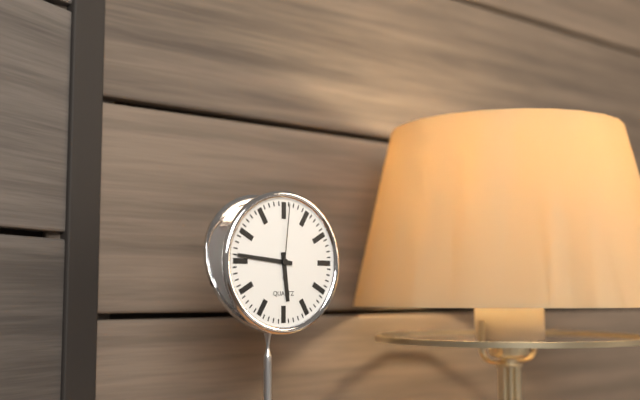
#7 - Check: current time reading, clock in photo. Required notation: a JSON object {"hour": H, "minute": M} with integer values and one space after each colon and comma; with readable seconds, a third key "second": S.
{"hour": 5, "minute": 46, "second": 1}
